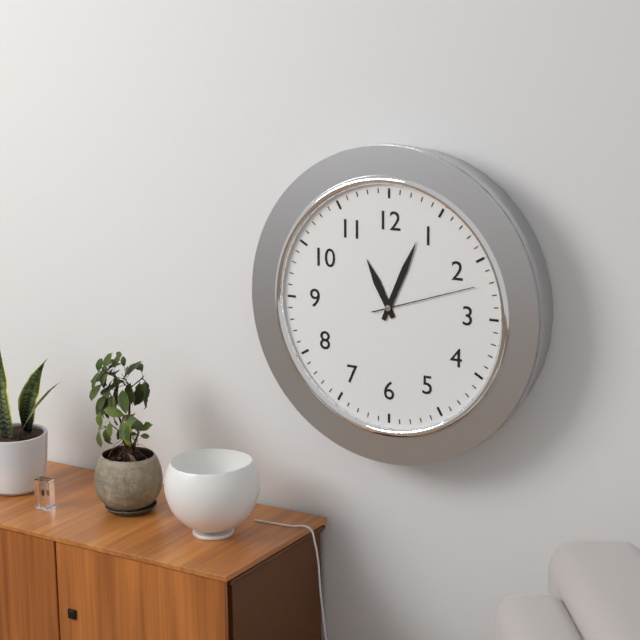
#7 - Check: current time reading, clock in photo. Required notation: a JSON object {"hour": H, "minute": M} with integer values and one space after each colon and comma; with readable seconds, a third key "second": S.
{"hour": 11, "minute": 4, "second": 12}
